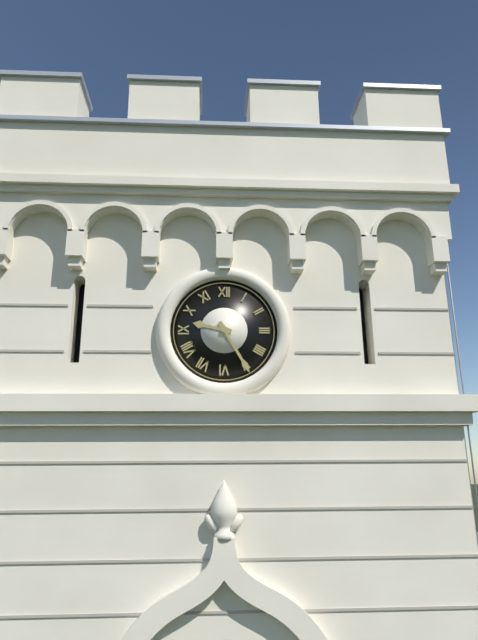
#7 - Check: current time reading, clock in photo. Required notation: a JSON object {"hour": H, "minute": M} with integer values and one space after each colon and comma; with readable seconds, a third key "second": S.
{"hour": 9, "minute": 25}
